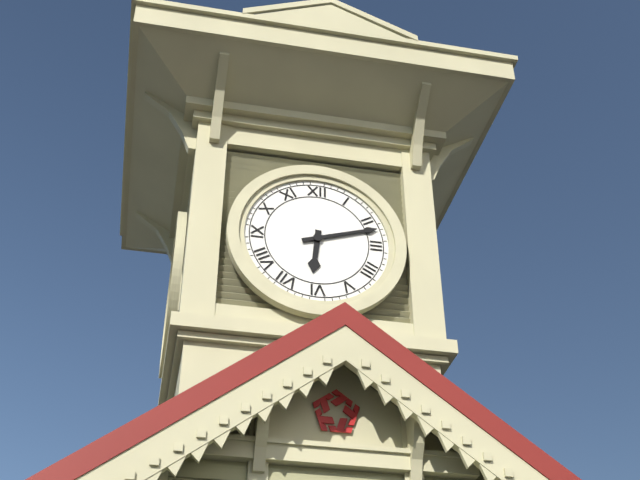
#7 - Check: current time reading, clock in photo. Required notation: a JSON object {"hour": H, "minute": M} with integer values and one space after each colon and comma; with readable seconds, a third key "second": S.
{"hour": 6, "minute": 12}
